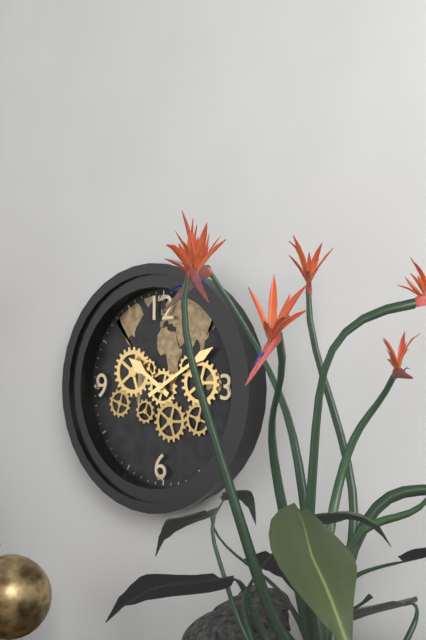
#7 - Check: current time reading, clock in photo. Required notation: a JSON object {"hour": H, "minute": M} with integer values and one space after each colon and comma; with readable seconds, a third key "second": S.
{"hour": 10, "minute": 10}
